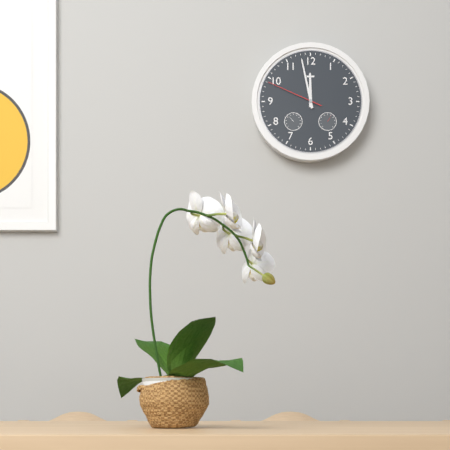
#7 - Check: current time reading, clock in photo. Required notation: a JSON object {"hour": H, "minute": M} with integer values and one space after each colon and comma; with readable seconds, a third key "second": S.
{"hour": 11, "minute": 58, "second": 49}
